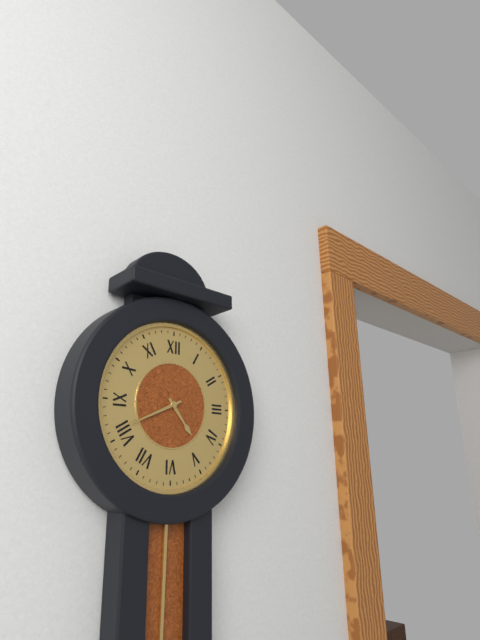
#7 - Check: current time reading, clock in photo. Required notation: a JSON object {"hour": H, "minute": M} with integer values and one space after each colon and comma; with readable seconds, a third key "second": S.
{"hour": 4, "minute": 41}
